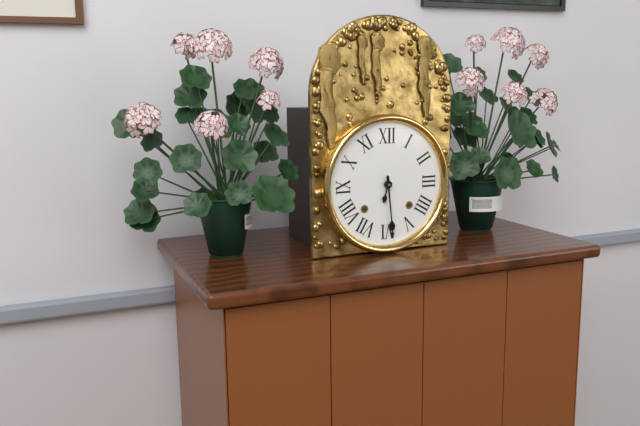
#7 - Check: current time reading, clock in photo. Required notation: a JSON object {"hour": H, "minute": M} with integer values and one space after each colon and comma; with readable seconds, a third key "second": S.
{"hour": 6, "minute": 29}
